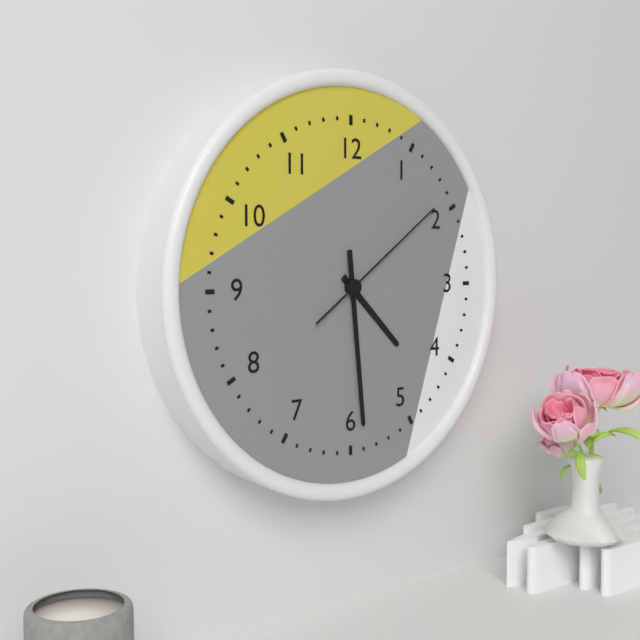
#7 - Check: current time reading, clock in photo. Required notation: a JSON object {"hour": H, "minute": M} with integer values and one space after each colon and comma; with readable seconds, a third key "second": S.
{"hour": 4, "minute": 29, "second": 9}
